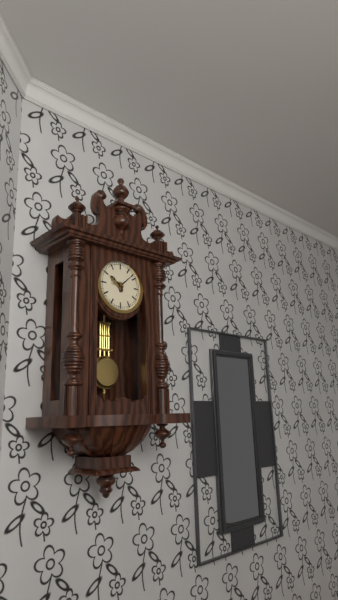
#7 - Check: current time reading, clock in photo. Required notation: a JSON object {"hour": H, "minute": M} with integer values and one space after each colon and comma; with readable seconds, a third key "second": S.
{"hour": 10, "minute": 8}
